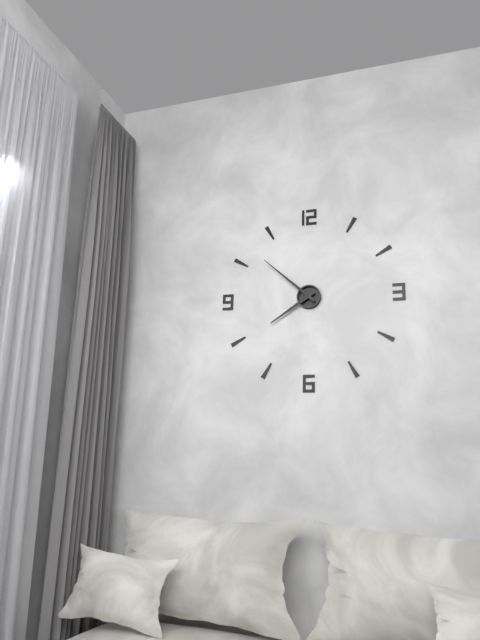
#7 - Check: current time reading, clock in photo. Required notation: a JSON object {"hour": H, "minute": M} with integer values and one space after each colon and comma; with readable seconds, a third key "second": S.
{"hour": 7, "minute": 52}
